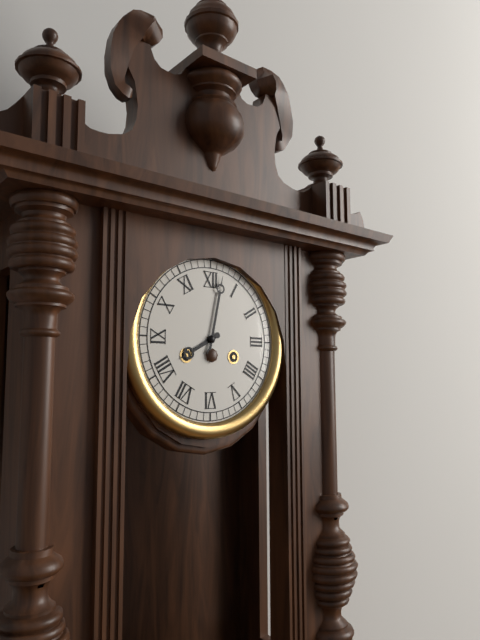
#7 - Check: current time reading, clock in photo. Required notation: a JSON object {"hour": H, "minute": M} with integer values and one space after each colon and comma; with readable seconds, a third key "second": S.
{"hour": 8, "minute": 2}
